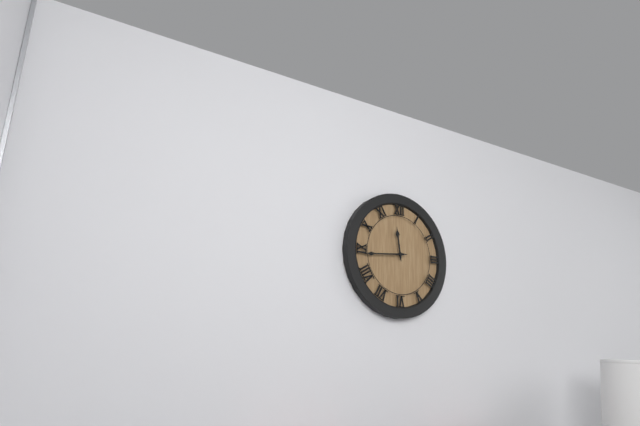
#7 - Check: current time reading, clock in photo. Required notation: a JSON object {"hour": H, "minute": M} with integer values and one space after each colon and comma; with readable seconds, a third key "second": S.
{"hour": 11, "minute": 44}
